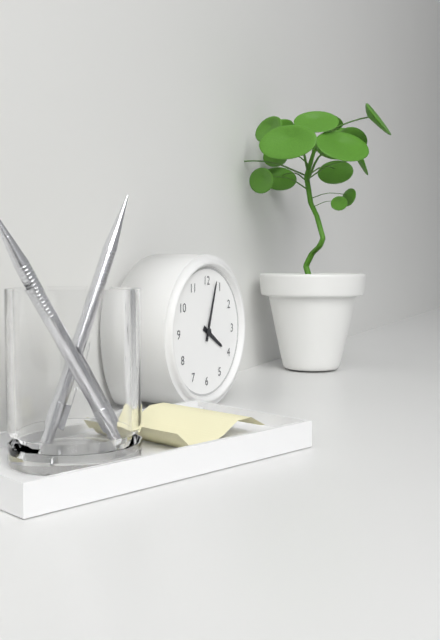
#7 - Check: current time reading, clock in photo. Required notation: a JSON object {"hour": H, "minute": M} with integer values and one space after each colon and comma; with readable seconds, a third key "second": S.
{"hour": 4, "minute": 3}
